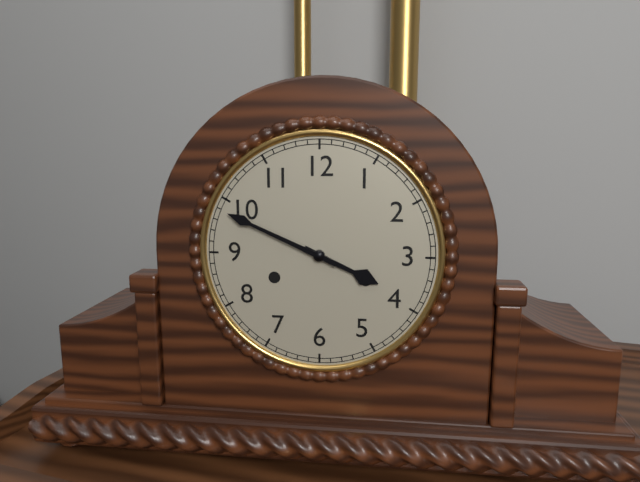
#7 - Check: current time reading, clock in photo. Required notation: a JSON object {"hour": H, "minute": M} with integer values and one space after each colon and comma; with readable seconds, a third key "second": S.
{"hour": 3, "minute": 49}
